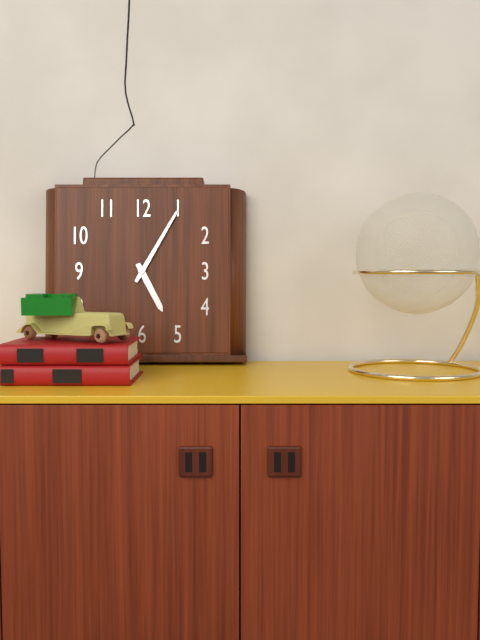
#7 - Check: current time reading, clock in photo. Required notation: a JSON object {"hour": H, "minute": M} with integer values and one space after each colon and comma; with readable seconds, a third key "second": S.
{"hour": 5, "minute": 5}
